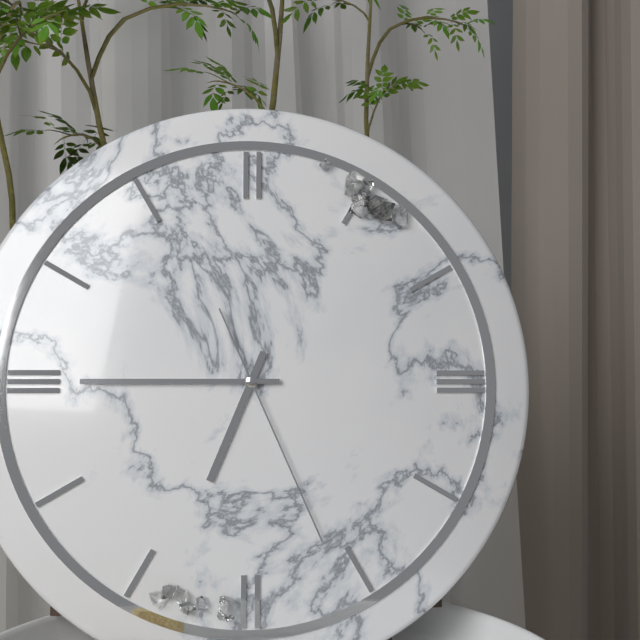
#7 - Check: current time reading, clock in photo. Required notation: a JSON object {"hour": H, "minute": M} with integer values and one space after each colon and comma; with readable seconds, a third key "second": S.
{"hour": 6, "minute": 45, "second": 26}
